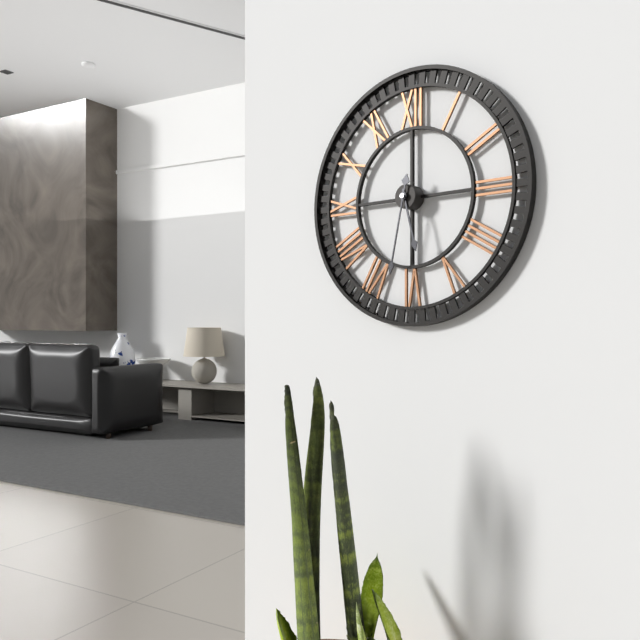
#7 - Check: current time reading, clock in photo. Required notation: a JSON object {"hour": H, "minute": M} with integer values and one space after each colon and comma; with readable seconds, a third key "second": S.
{"hour": 5, "minute": 32}
